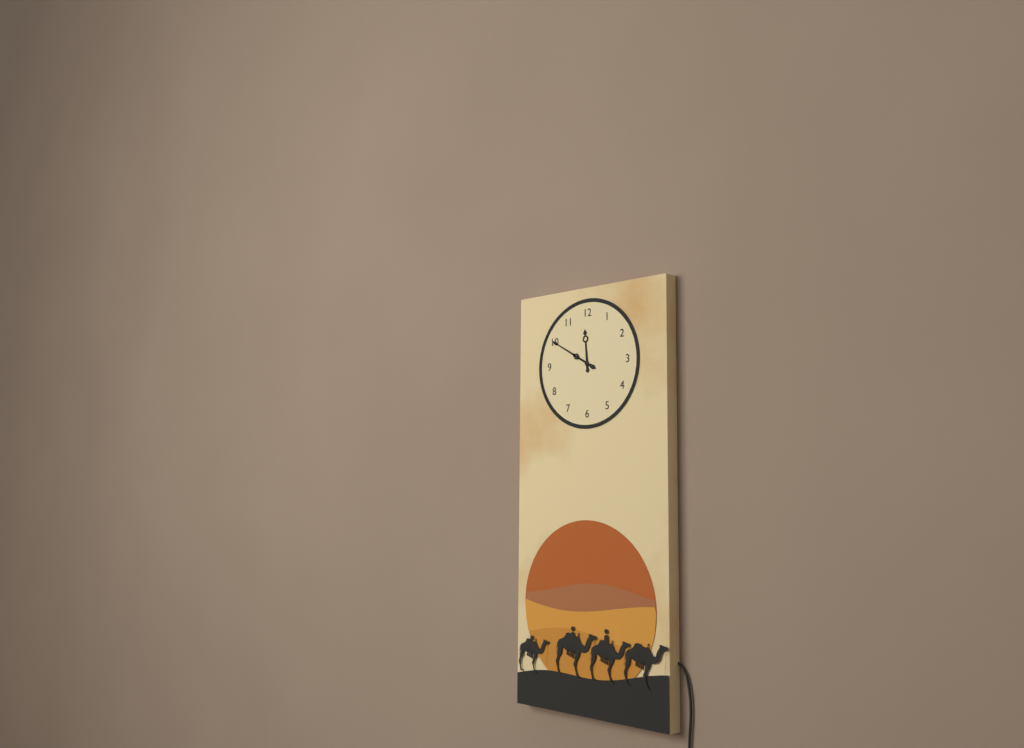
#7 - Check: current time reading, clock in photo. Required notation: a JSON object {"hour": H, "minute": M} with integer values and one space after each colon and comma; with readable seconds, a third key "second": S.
{"hour": 11, "minute": 50}
